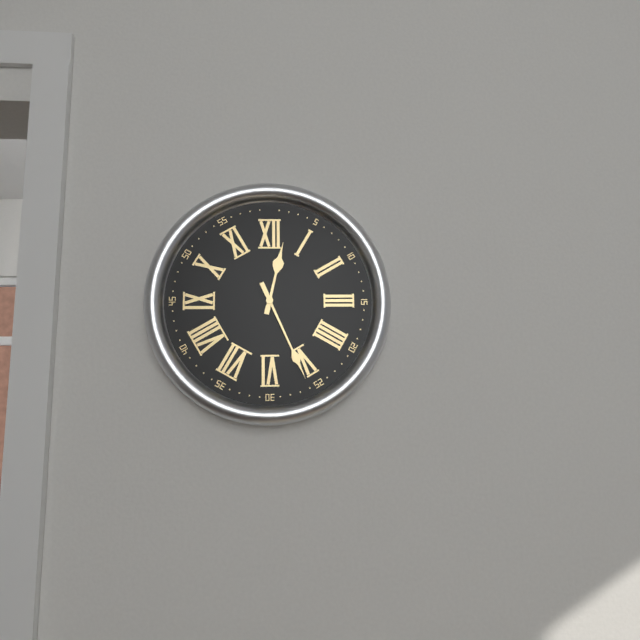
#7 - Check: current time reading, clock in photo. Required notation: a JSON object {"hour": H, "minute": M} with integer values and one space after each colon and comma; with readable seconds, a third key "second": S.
{"hour": 12, "minute": 26}
